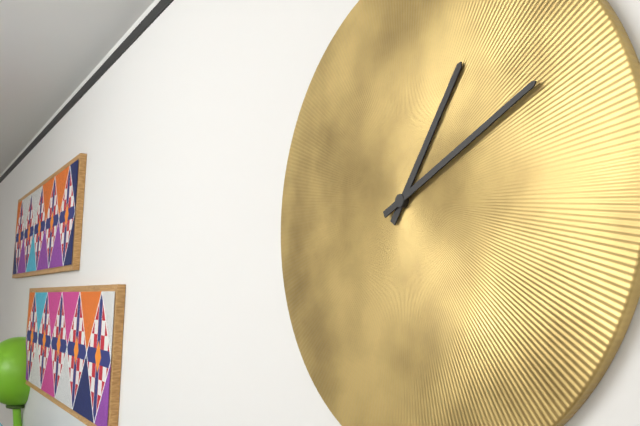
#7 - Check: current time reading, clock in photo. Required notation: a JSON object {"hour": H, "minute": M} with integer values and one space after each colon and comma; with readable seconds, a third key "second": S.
{"hour": 1, "minute": 11}
